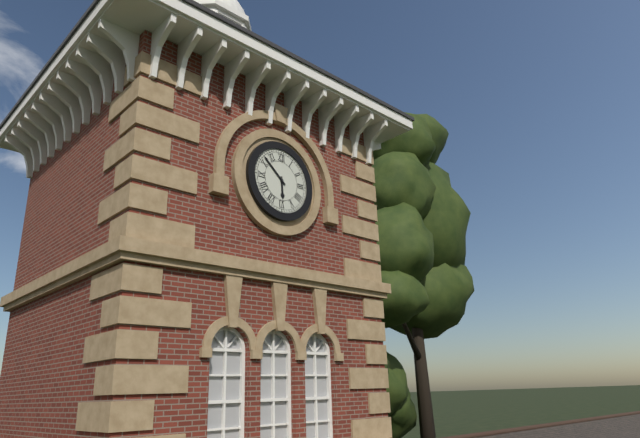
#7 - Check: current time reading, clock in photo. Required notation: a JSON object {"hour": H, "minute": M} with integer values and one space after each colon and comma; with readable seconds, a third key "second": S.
{"hour": 5, "minute": 52}
